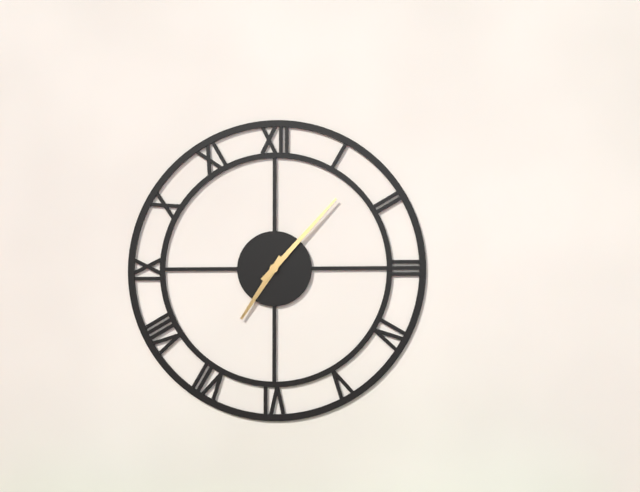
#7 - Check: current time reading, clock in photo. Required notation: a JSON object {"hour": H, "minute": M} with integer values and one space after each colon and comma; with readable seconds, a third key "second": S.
{"hour": 7, "minute": 7}
